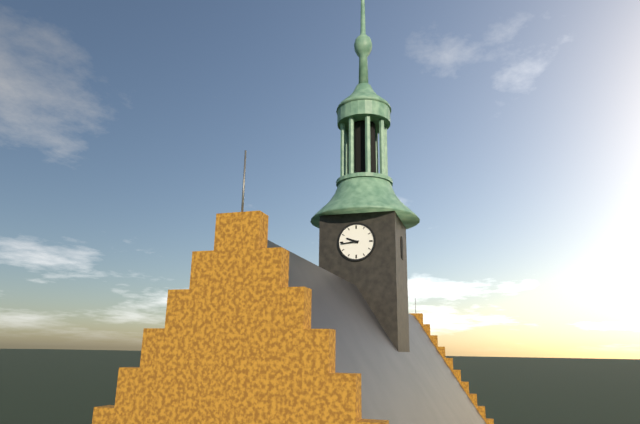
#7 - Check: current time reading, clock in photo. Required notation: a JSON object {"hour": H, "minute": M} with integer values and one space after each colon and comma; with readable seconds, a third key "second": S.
{"hour": 9, "minute": 44}
